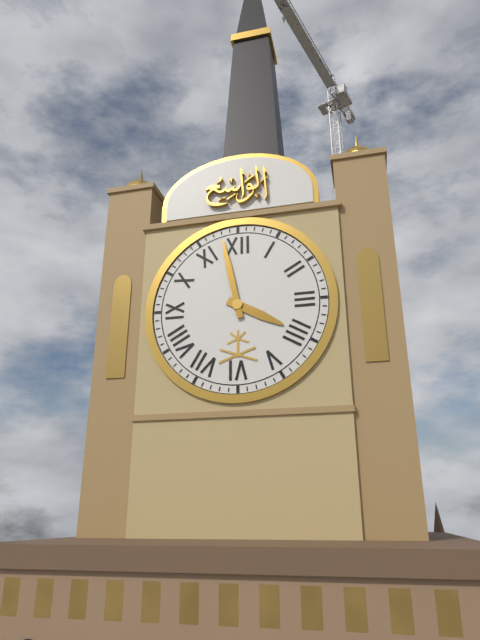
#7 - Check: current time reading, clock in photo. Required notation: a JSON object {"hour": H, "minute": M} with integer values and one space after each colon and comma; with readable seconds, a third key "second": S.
{"hour": 3, "minute": 58}
